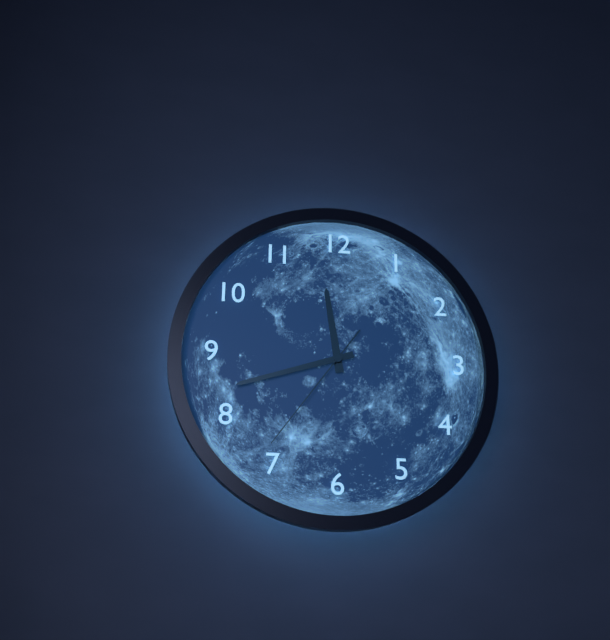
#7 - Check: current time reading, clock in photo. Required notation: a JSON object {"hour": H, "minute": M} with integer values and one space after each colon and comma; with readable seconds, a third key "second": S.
{"hour": 11, "minute": 42, "second": 36}
